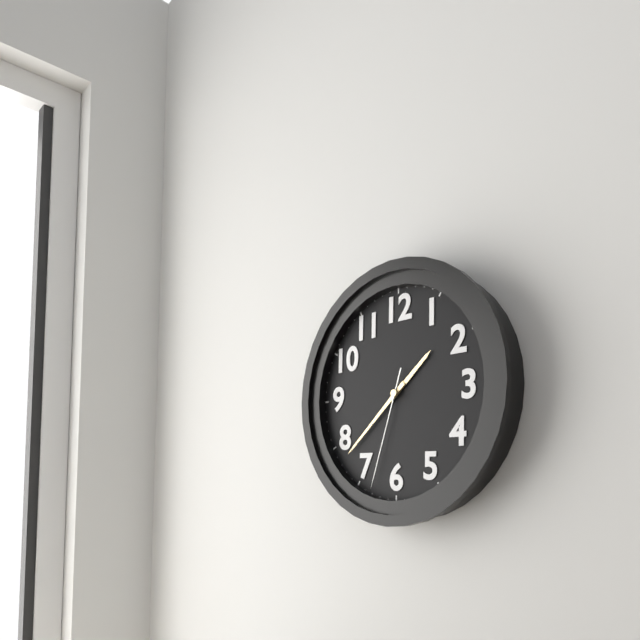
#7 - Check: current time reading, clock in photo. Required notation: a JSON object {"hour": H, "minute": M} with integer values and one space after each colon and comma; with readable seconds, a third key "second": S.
{"hour": 1, "minute": 38, "second": 33}
